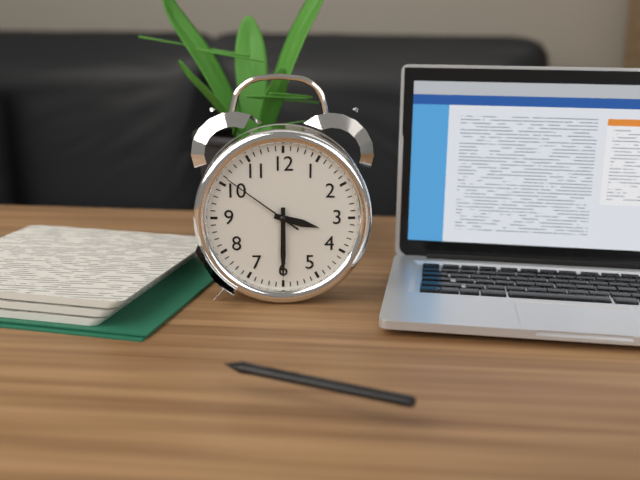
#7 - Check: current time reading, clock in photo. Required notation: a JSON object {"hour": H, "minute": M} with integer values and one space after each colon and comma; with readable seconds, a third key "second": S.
{"hour": 3, "minute": 30, "second": 51}
